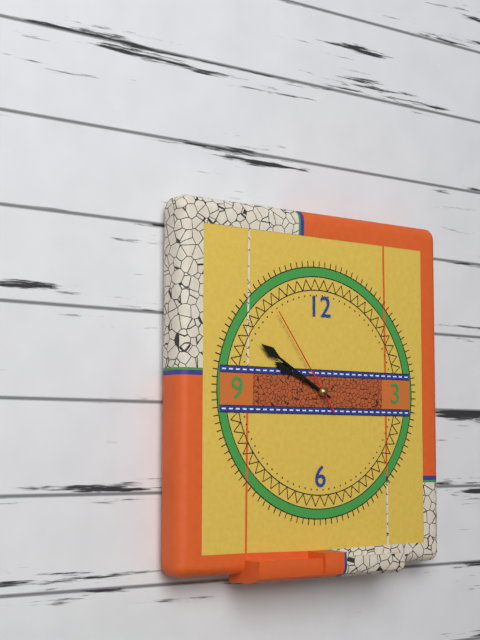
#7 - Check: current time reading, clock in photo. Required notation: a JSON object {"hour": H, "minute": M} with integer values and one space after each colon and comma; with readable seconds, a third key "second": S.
{"hour": 9, "minute": 50, "second": 54}
